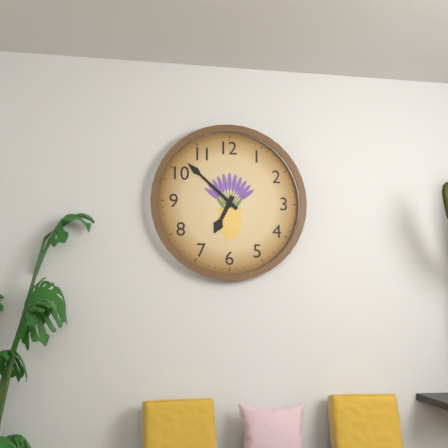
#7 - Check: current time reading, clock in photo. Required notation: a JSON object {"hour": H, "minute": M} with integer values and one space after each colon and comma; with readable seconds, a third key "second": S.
{"hour": 6, "minute": 52}
